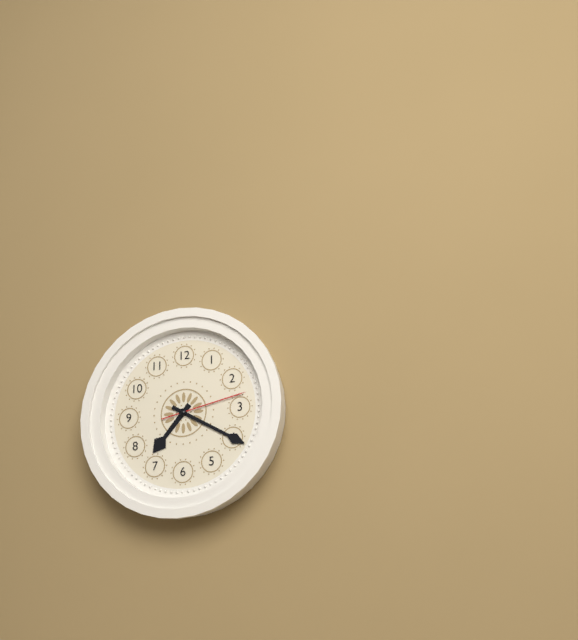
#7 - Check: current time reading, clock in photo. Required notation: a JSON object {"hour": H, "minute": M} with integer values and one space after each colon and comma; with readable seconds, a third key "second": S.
{"hour": 7, "minute": 20, "second": 13}
